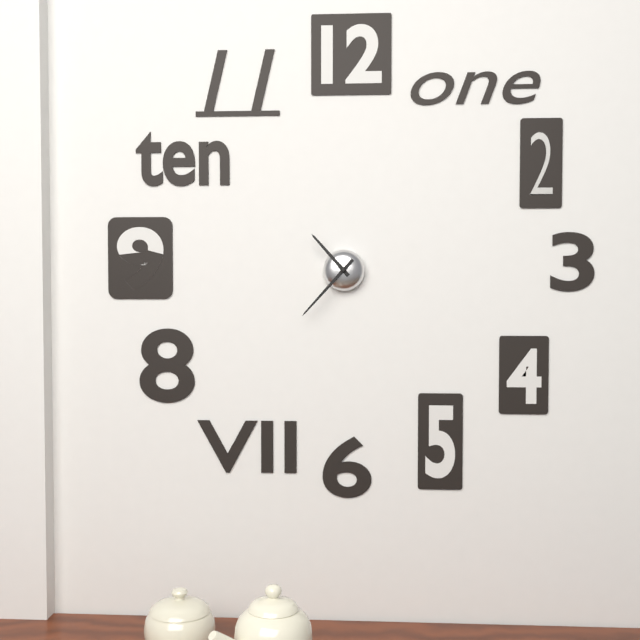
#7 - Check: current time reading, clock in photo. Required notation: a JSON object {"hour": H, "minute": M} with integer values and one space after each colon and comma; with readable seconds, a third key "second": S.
{"hour": 10, "minute": 37}
